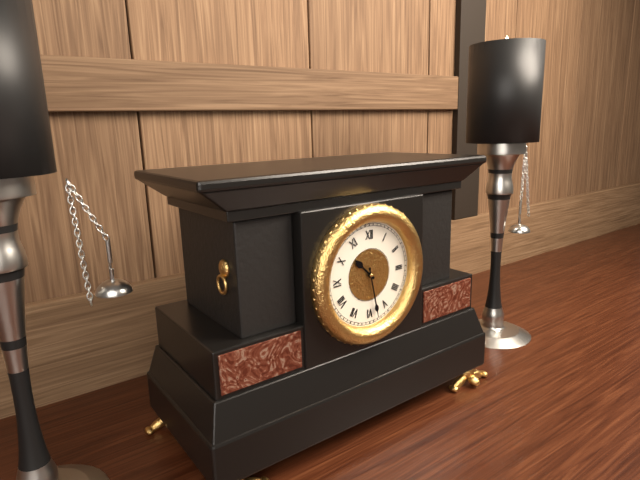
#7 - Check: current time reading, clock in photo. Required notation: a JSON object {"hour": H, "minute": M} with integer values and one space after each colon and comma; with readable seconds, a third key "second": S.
{"hour": 10, "minute": 28}
